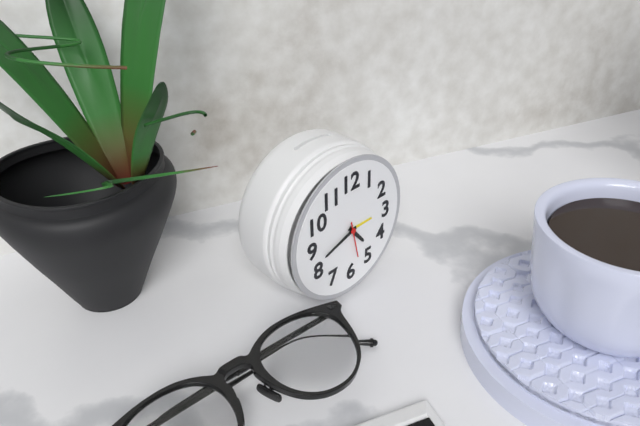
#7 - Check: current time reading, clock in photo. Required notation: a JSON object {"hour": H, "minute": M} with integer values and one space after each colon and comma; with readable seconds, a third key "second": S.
{"hour": 4, "minute": 42}
